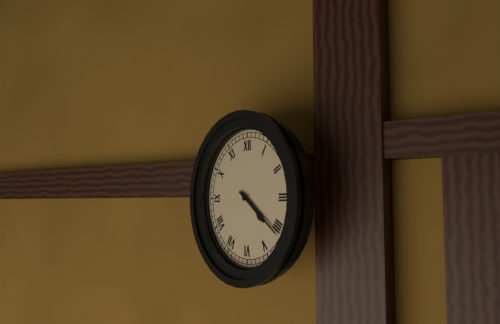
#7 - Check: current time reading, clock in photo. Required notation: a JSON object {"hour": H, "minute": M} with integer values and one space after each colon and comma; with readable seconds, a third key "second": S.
{"hour": 4, "minute": 21}
